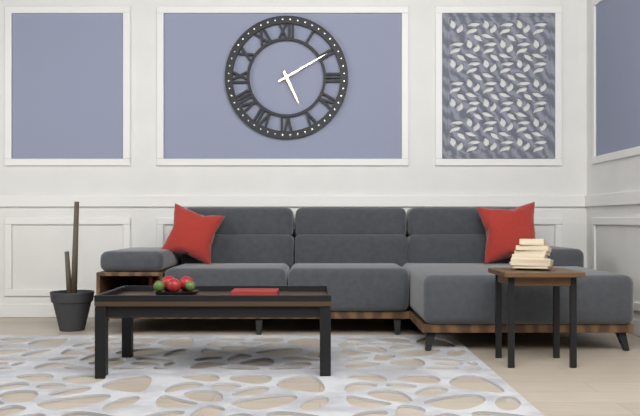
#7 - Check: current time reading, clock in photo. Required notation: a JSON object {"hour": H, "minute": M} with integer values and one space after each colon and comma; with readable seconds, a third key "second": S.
{"hour": 5, "minute": 10}
